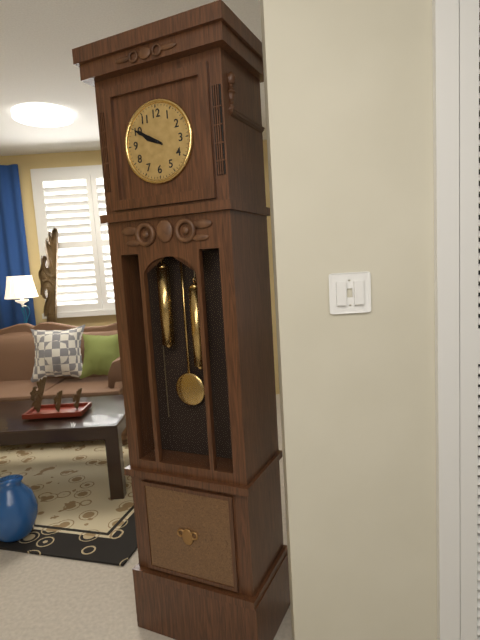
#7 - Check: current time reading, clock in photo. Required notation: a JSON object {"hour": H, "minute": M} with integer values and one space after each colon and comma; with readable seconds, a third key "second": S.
{"hour": 9, "minute": 50}
